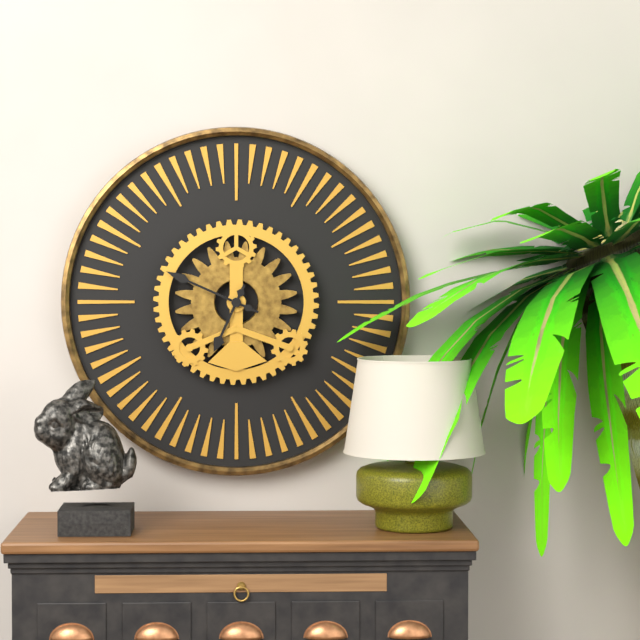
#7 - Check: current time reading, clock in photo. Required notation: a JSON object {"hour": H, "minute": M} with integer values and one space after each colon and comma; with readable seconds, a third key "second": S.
{"hour": 6, "minute": 49}
